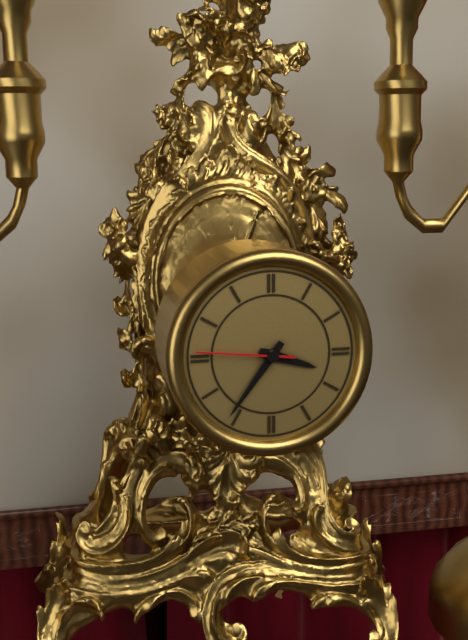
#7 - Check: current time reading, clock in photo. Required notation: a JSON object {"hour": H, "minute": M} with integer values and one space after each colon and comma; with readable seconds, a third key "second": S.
{"hour": 3, "minute": 36, "second": 46}
